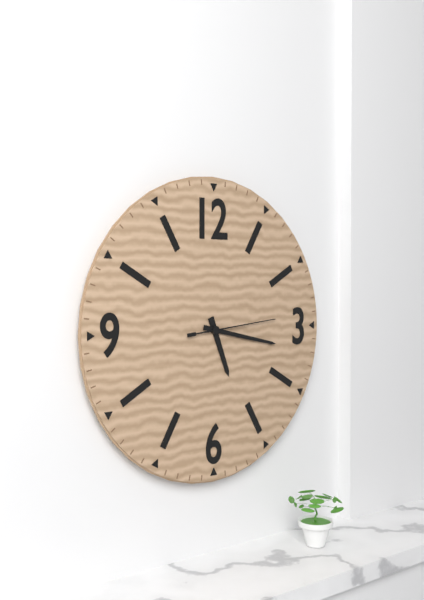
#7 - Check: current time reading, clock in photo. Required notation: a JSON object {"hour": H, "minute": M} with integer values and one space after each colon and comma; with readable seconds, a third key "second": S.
{"hour": 5, "minute": 17, "second": 14}
